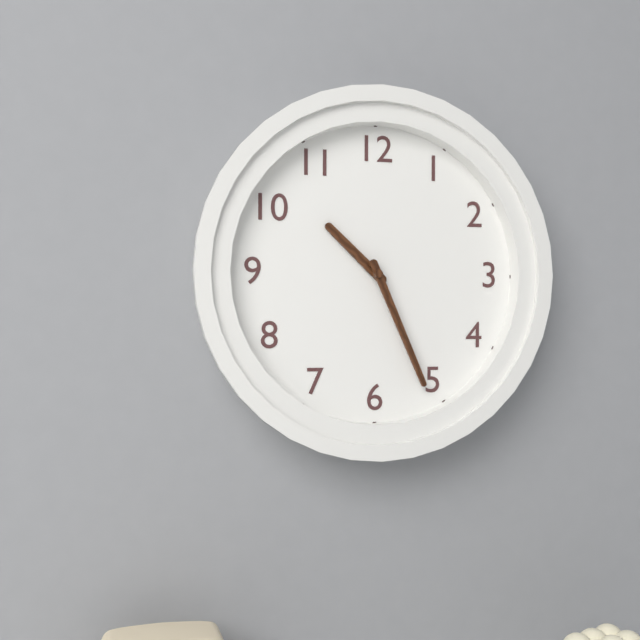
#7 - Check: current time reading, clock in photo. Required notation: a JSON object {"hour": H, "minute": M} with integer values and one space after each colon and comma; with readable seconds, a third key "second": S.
{"hour": 10, "minute": 26}
